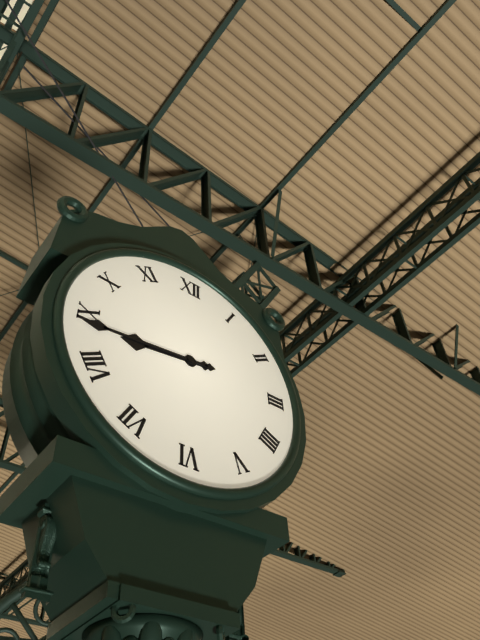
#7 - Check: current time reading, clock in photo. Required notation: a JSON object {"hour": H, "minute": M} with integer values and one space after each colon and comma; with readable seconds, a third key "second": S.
{"hour": 8, "minute": 44}
